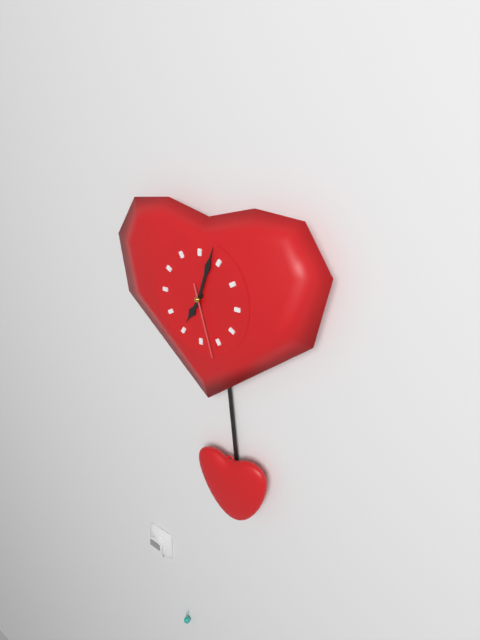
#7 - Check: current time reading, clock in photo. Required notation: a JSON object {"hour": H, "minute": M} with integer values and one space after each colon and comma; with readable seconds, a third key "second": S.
{"hour": 7, "minute": 3, "second": 27}
